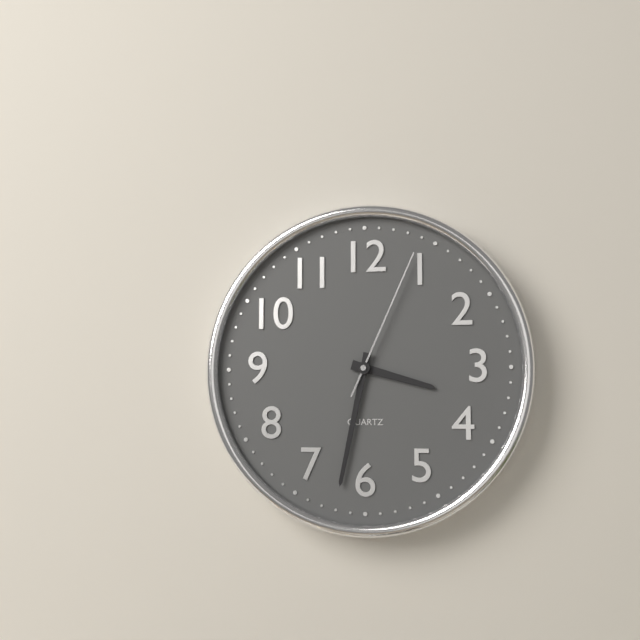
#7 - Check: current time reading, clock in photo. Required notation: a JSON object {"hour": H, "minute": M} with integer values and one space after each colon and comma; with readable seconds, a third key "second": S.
{"hour": 3, "minute": 32, "second": 4}
